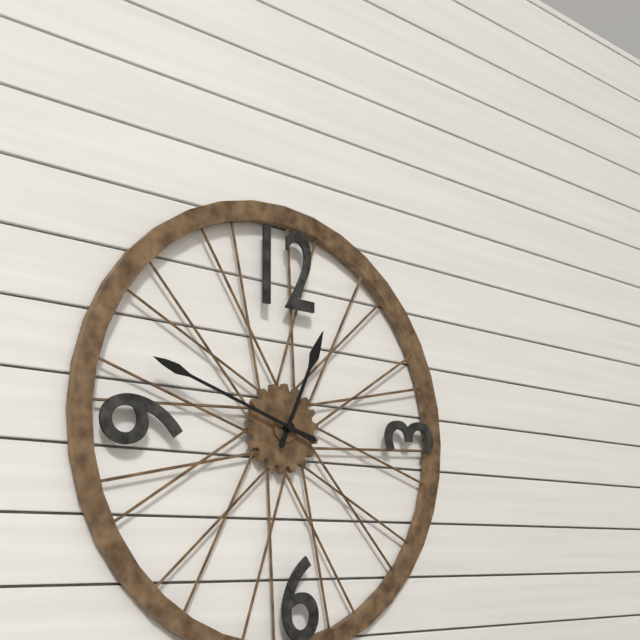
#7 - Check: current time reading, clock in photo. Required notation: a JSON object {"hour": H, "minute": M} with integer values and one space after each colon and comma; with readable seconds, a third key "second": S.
{"hour": 12, "minute": 48}
